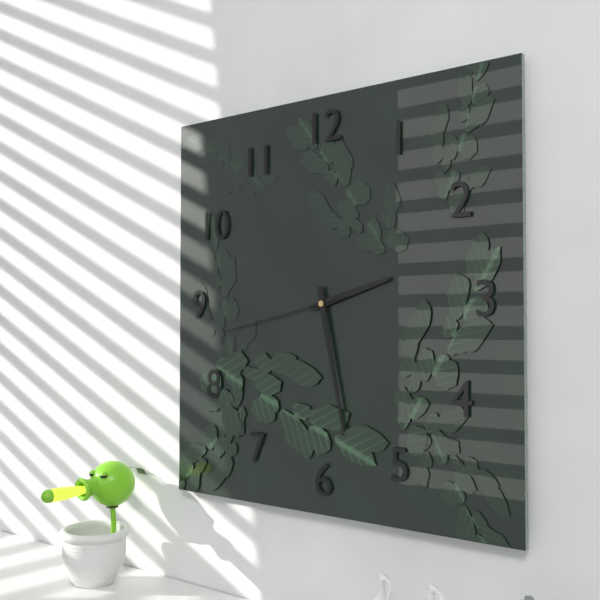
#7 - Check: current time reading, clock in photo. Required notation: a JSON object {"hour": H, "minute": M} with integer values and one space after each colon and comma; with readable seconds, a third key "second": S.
{"hour": 2, "minute": 28, "second": 43}
